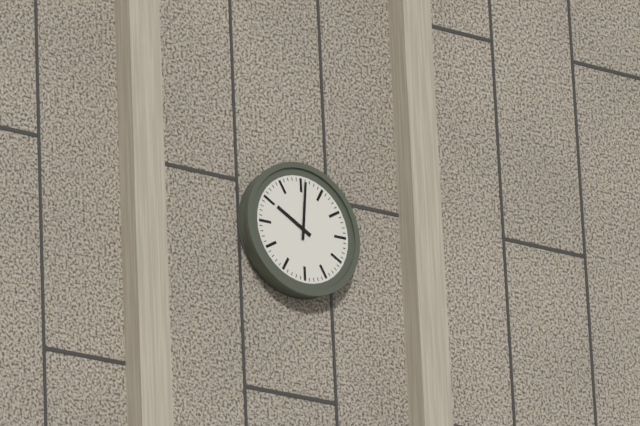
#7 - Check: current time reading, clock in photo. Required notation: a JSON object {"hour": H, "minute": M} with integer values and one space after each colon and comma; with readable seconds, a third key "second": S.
{"hour": 10, "minute": 1}
